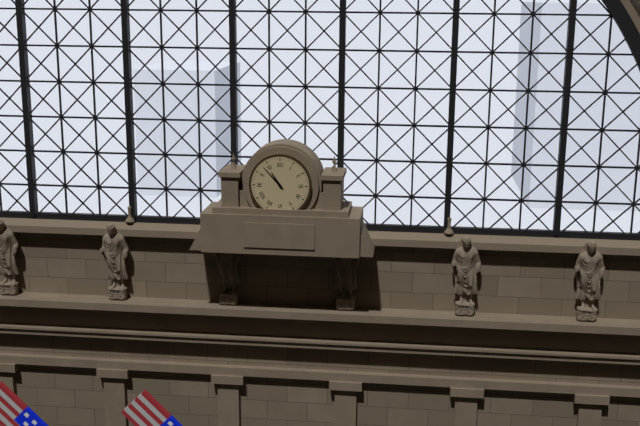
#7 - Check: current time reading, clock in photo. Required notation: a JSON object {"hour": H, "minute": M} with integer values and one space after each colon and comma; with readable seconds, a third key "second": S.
{"hour": 10, "minute": 53}
